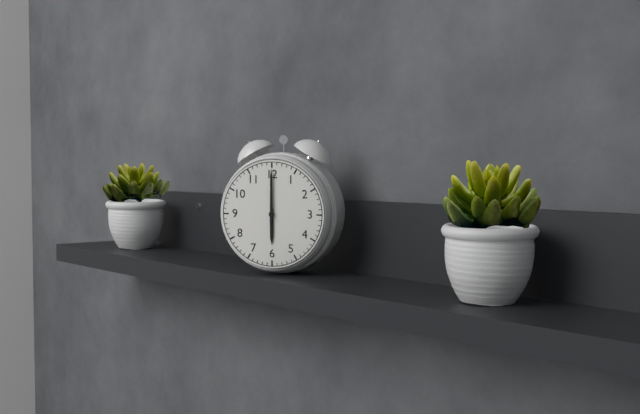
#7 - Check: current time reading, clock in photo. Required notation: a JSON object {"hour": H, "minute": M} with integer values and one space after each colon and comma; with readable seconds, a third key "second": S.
{"hour": 6, "minute": 0}
